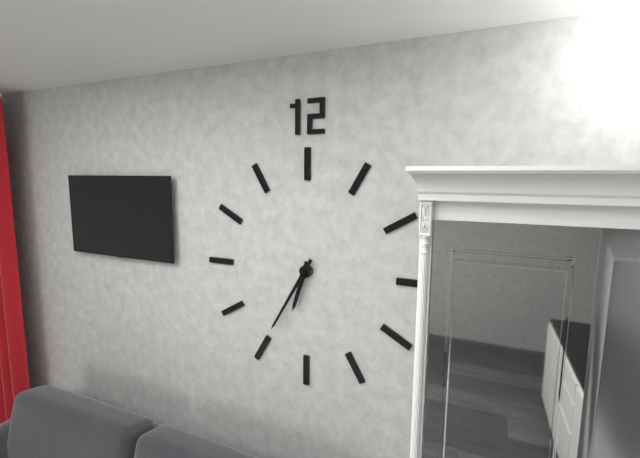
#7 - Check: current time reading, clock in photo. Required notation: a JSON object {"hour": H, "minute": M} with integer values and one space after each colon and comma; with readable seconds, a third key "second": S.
{"hour": 6, "minute": 35}
